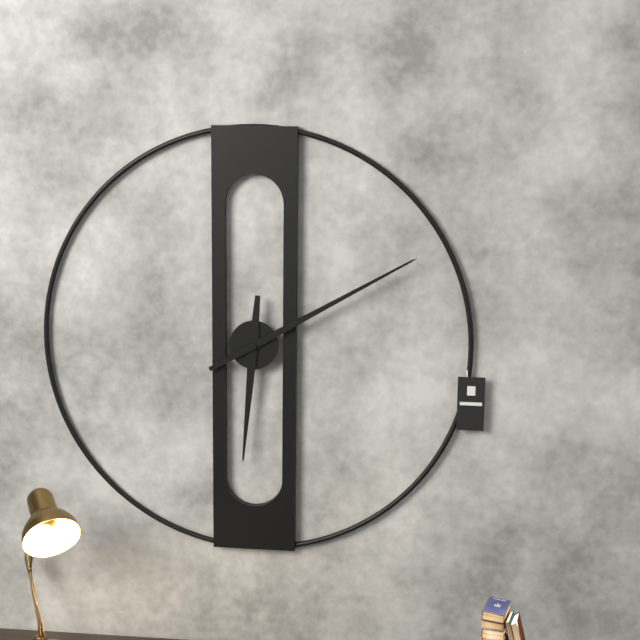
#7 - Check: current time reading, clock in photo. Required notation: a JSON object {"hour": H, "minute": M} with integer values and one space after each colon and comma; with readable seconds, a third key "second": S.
{"hour": 6, "minute": 10}
